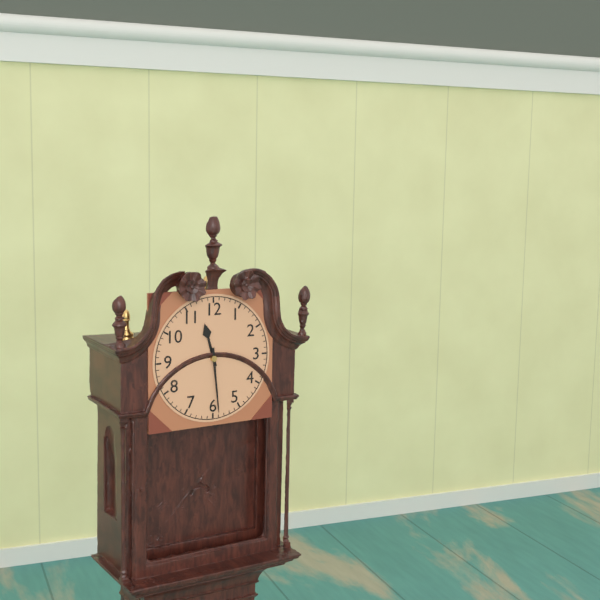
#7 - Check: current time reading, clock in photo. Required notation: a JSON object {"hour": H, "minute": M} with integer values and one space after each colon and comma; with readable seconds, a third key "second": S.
{"hour": 11, "minute": 29}
